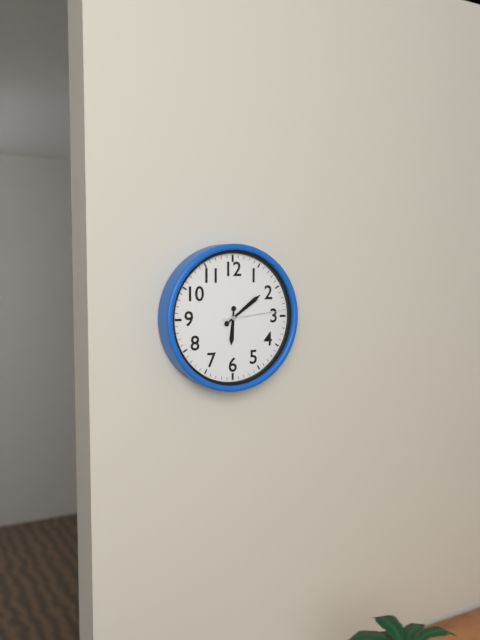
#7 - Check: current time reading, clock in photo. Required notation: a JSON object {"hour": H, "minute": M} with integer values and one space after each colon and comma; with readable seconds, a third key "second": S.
{"hour": 6, "minute": 9, "second": 14}
